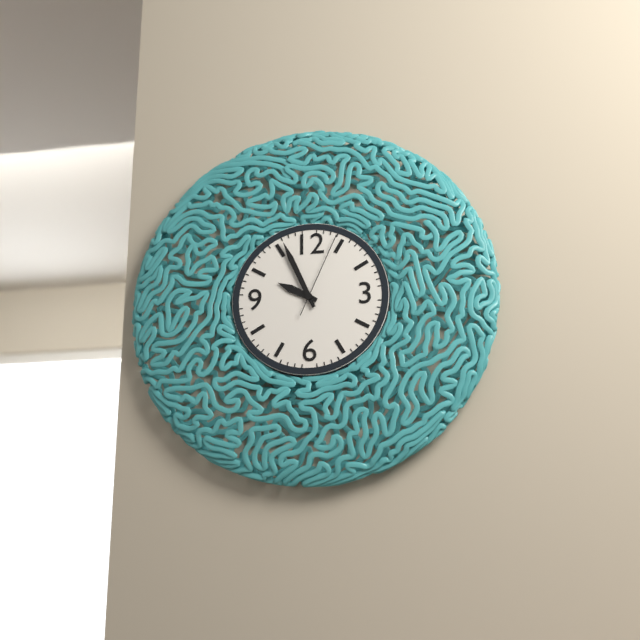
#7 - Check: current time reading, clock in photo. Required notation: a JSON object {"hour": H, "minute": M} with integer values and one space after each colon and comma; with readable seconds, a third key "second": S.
{"hour": 9, "minute": 56, "second": 4}
